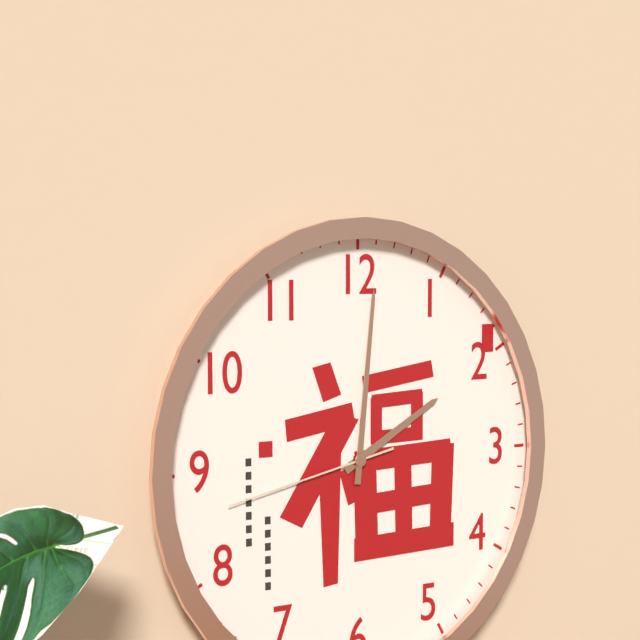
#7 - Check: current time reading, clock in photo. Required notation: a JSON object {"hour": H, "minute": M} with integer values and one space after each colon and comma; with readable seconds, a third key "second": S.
{"hour": 2, "minute": 1, "second": 43}
